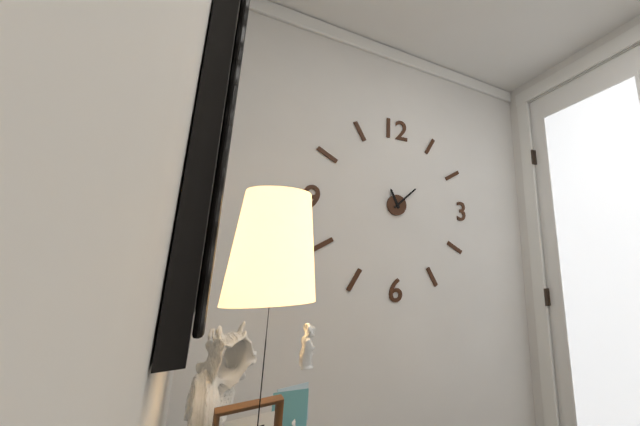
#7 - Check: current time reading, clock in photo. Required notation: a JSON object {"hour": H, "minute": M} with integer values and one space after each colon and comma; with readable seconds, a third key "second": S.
{"hour": 11, "minute": 8}
